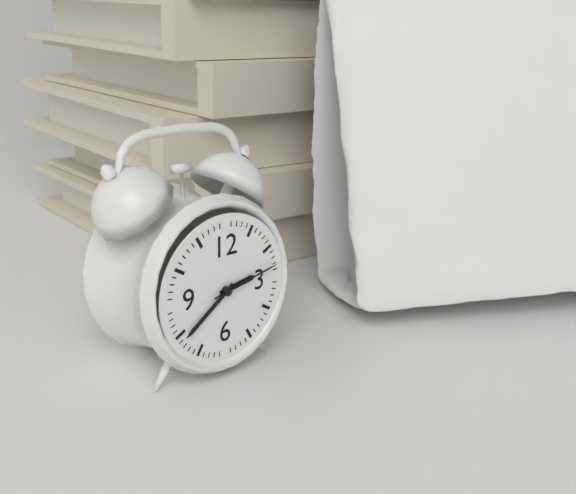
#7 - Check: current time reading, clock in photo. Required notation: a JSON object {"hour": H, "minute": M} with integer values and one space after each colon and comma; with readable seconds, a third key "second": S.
{"hour": 2, "minute": 39, "second": 13}
